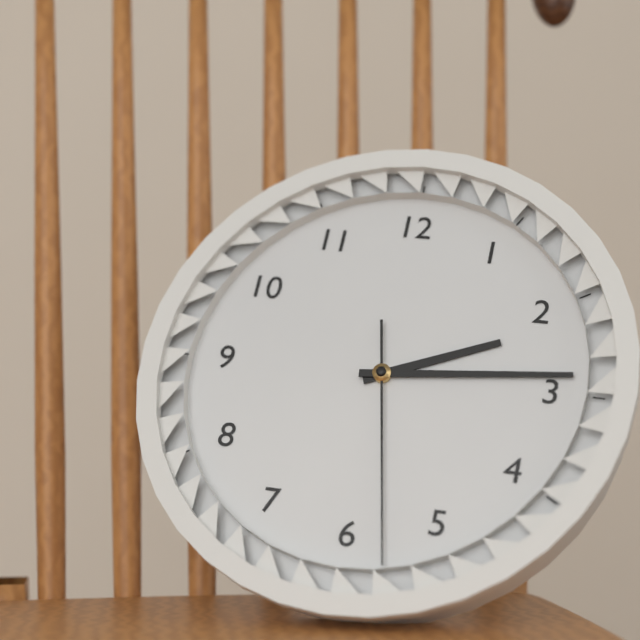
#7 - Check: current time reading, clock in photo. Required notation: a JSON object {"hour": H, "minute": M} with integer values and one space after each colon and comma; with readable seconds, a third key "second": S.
{"hour": 2, "minute": 14, "second": 28}
